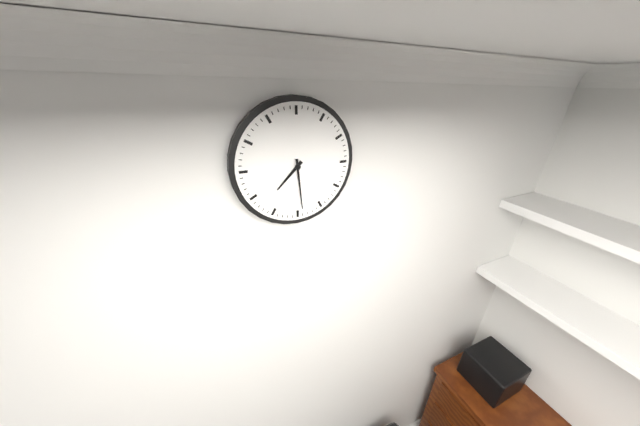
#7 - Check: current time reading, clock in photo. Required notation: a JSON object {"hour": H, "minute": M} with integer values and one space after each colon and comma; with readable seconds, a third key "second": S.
{"hour": 7, "minute": 29}
